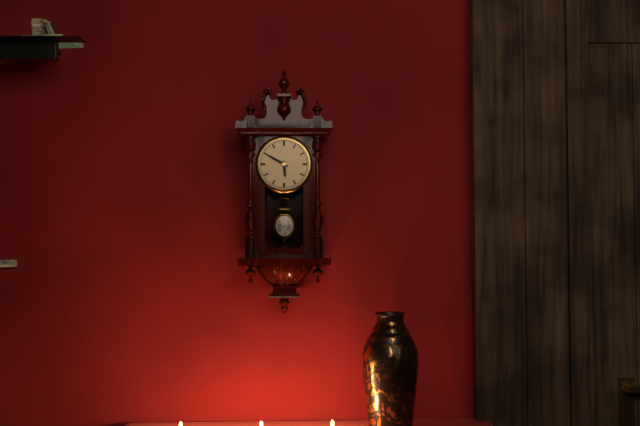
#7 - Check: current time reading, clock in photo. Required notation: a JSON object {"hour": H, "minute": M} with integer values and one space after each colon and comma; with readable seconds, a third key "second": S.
{"hour": 5, "minute": 50}
